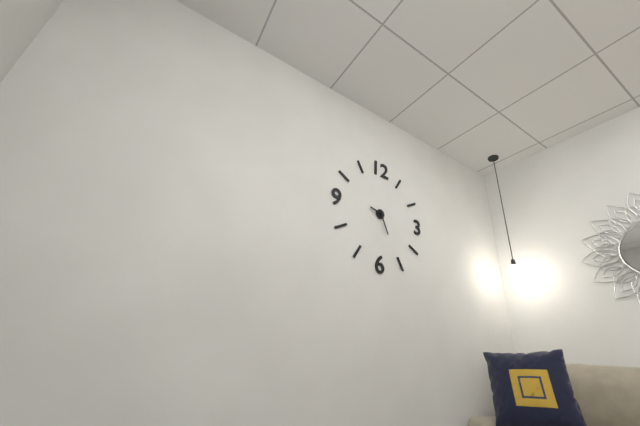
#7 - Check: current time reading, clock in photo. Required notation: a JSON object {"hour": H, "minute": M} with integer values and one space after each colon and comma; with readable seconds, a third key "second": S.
{"hour": 9, "minute": 26}
